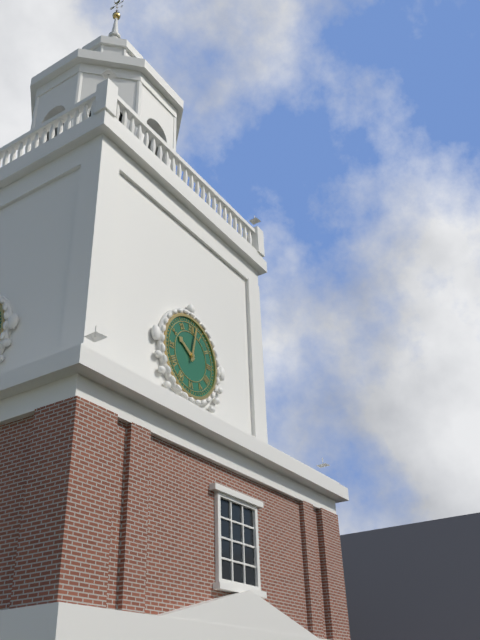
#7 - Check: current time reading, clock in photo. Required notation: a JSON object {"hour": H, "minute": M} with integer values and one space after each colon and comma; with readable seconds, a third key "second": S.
{"hour": 10, "minute": 2}
